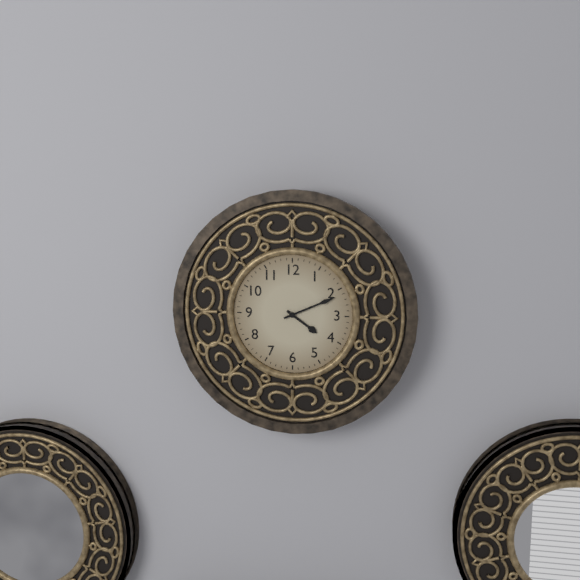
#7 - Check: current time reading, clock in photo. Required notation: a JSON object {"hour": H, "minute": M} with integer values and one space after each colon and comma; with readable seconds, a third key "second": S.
{"hour": 4, "minute": 11}
